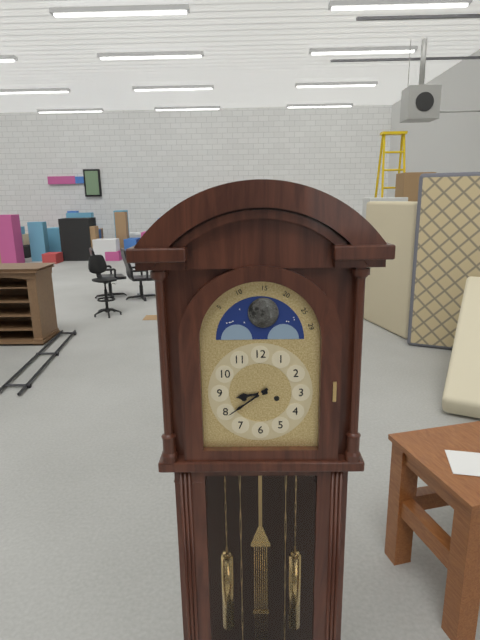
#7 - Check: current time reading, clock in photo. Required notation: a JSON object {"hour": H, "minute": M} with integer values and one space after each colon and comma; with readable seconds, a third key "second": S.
{"hour": 8, "minute": 39}
